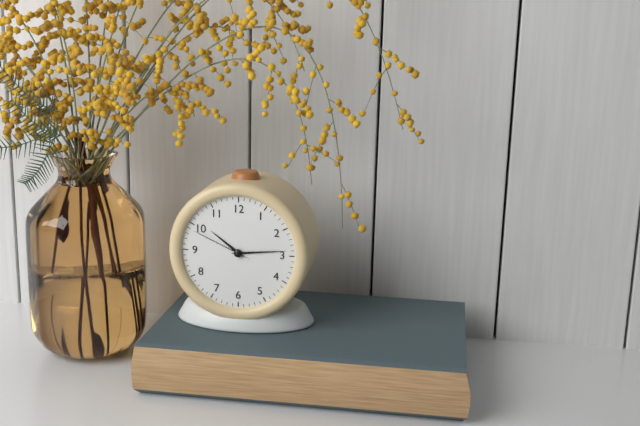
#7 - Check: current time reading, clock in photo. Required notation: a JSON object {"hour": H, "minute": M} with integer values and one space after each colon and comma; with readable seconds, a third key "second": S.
{"hour": 10, "minute": 14, "second": 49}
